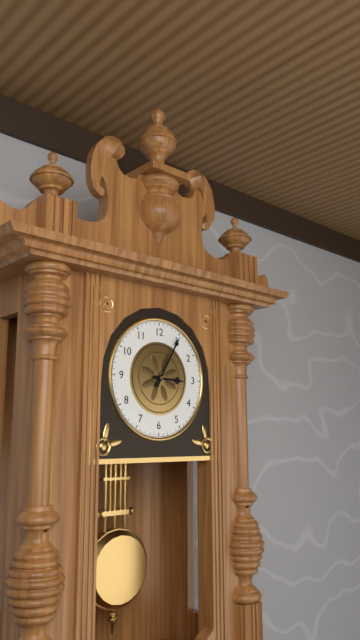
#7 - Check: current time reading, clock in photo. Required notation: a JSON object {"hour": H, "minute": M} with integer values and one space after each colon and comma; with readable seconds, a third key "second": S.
{"hour": 3, "minute": 5}
